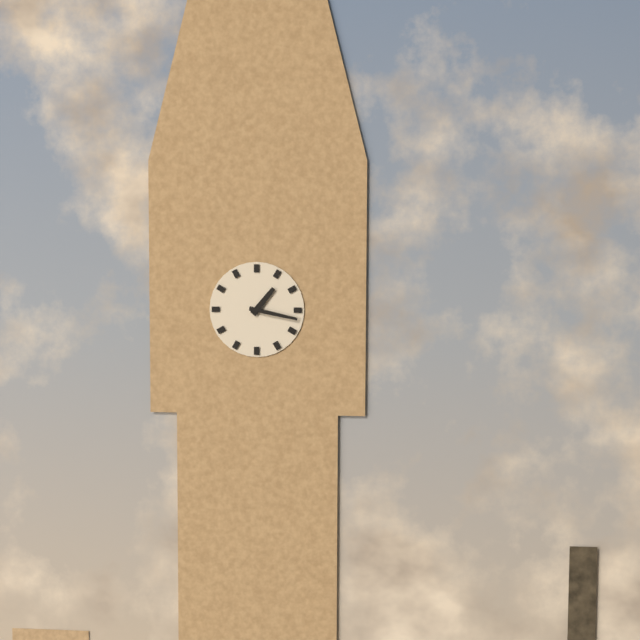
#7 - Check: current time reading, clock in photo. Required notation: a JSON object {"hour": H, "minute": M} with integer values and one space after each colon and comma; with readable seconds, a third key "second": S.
{"hour": 1, "minute": 17}
